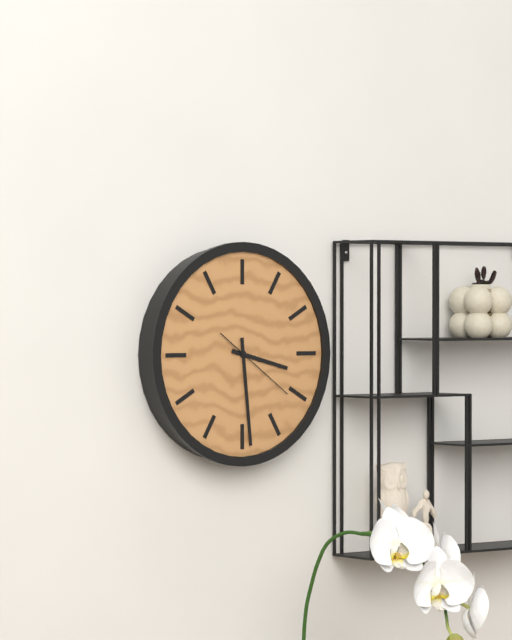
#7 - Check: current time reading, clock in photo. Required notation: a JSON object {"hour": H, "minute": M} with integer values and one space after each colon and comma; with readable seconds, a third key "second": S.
{"hour": 3, "minute": 29, "second": 21}
